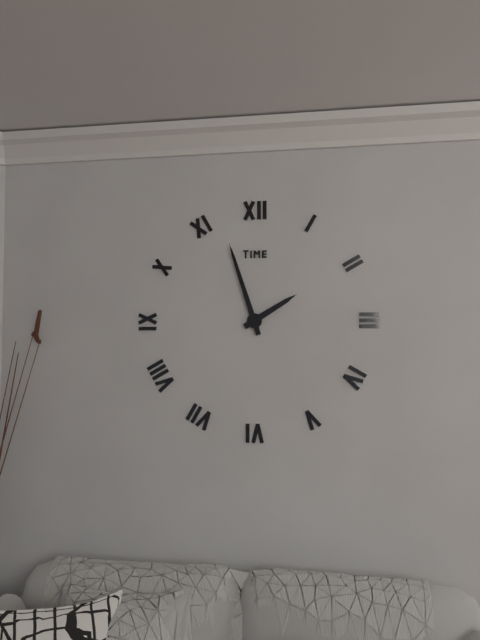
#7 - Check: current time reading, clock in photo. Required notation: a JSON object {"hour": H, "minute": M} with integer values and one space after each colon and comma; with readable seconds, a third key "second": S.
{"hour": 1, "minute": 57}
